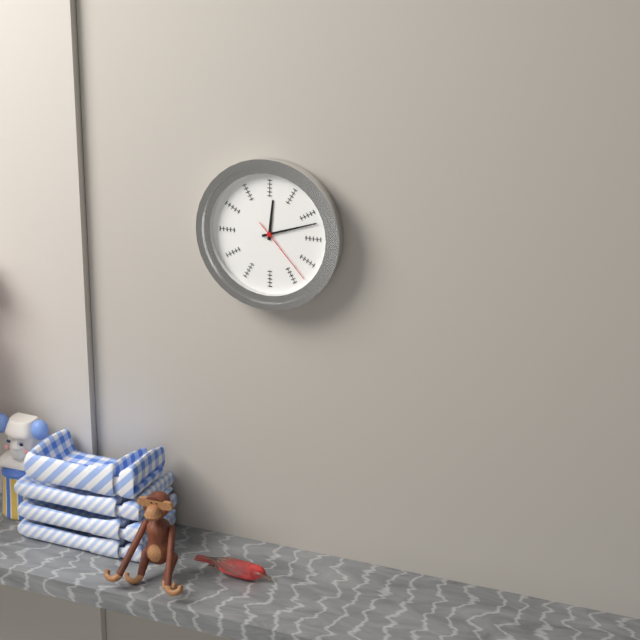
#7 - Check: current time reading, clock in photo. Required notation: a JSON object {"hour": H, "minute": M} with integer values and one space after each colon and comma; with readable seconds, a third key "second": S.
{"hour": 12, "minute": 12, "second": 23}
